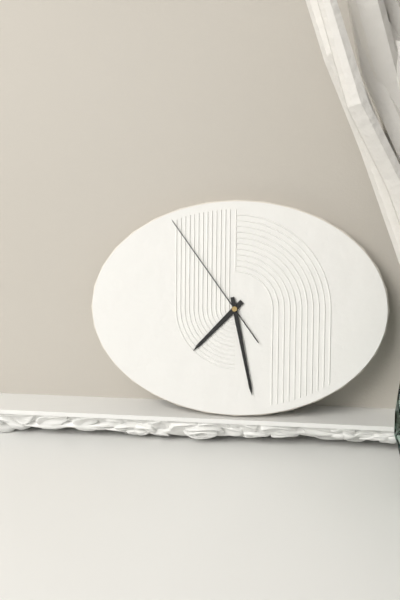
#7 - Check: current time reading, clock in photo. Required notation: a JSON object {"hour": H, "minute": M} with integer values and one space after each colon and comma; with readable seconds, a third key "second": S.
{"hour": 7, "minute": 28, "second": 54}
